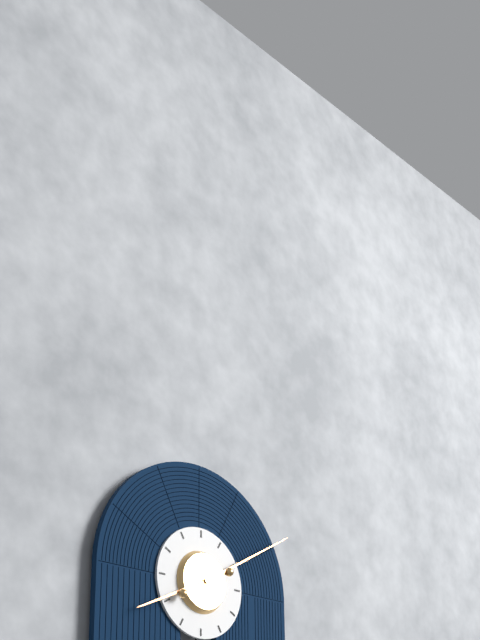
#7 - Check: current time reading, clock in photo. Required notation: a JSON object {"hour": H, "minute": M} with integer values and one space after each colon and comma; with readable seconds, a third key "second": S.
{"hour": 8, "minute": 10}
